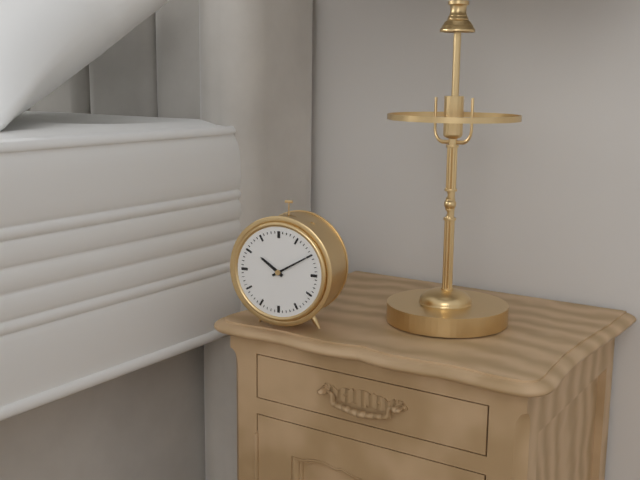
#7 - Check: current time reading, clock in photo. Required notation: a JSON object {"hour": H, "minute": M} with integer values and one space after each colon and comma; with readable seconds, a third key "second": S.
{"hour": 10, "minute": 10}
